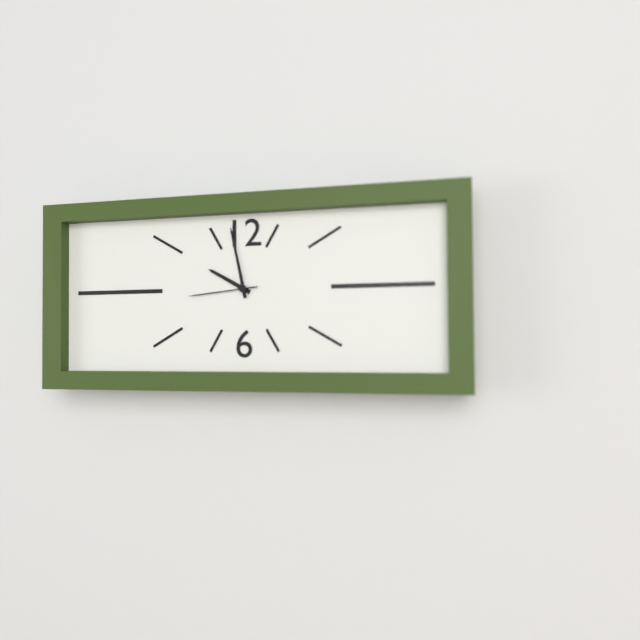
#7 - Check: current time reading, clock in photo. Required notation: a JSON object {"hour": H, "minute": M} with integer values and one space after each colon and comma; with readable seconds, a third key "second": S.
{"hour": 9, "minute": 58, "second": 44}
